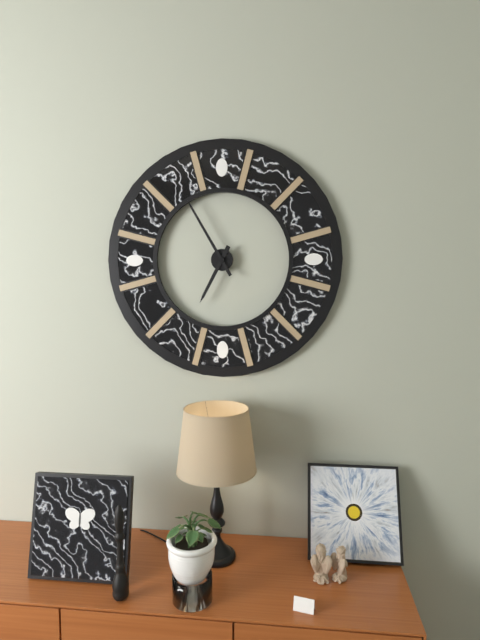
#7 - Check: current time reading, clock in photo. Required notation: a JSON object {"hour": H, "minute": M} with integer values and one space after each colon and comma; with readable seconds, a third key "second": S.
{"hour": 6, "minute": 55}
